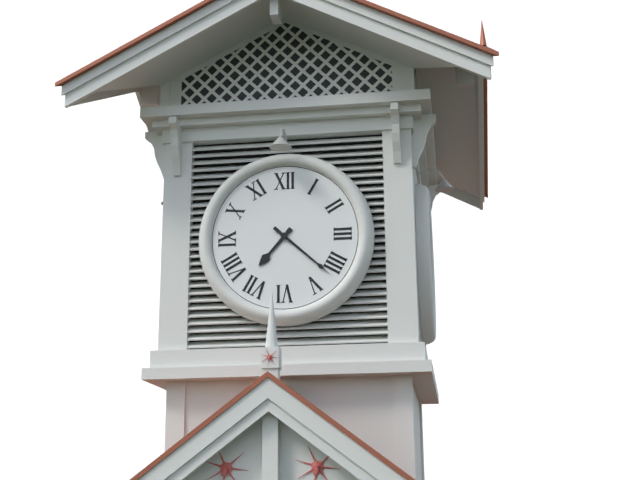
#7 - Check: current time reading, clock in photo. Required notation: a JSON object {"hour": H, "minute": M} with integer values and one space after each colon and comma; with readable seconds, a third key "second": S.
{"hour": 7, "minute": 22}
